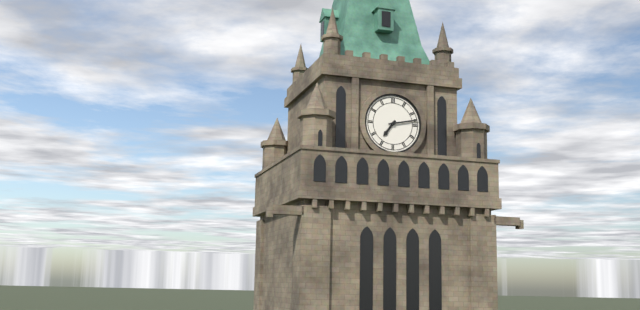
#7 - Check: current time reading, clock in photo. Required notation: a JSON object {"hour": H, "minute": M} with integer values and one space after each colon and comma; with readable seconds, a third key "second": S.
{"hour": 7, "minute": 13}
